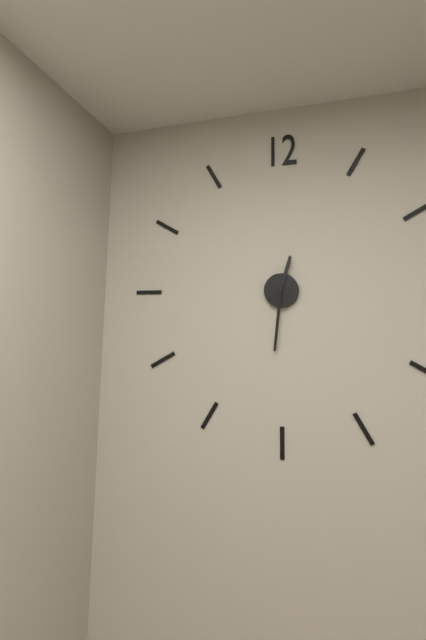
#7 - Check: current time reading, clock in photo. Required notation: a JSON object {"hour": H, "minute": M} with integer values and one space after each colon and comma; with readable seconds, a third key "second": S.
{"hour": 12, "minute": 31}
